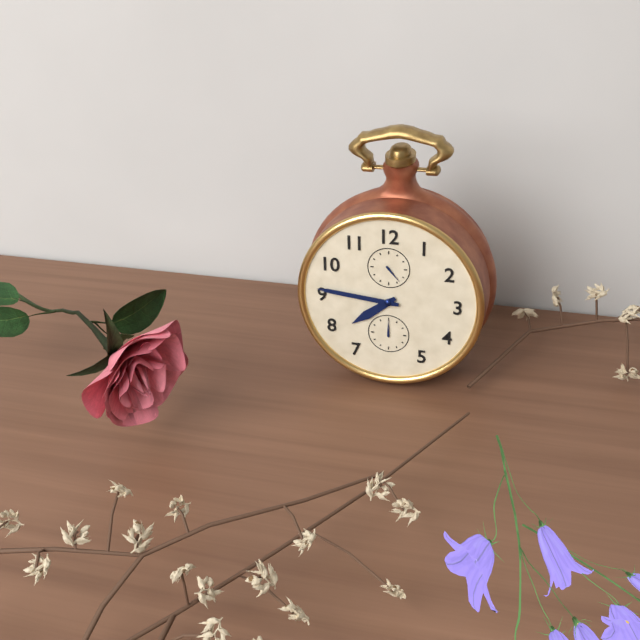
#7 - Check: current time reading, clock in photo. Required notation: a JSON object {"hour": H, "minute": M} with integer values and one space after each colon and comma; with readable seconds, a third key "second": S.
{"hour": 7, "minute": 46}
